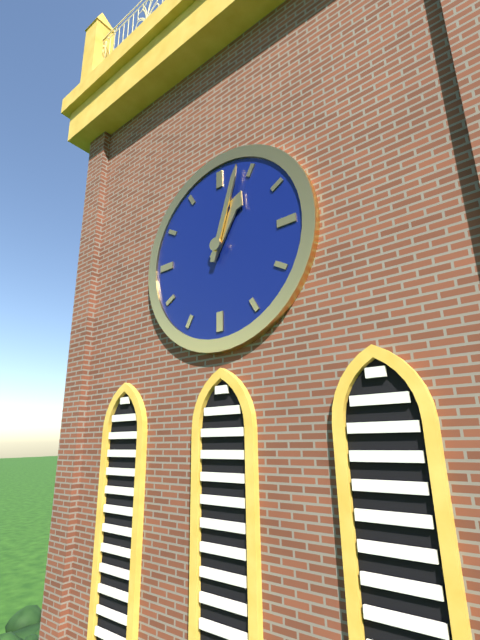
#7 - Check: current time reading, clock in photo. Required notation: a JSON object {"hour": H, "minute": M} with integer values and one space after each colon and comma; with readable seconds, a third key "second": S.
{"hour": 1, "minute": 3}
